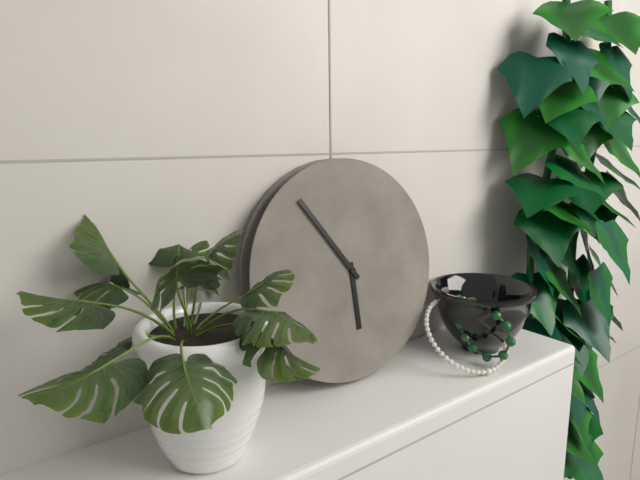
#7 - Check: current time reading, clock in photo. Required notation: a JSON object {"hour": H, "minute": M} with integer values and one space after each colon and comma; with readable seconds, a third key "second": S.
{"hour": 5, "minute": 54}
